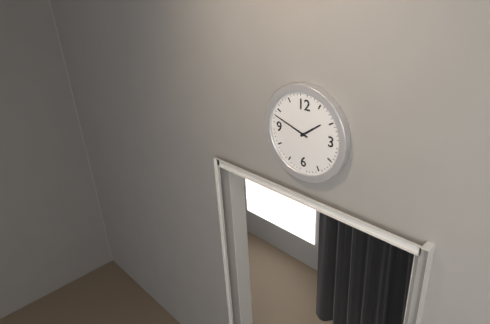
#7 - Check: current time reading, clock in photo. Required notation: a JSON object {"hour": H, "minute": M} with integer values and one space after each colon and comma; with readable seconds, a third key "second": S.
{"hour": 1, "minute": 48}
